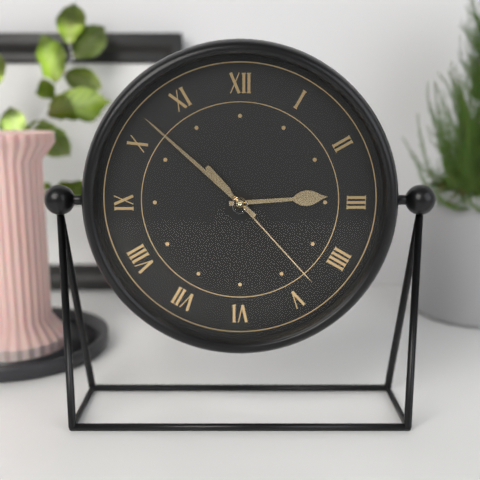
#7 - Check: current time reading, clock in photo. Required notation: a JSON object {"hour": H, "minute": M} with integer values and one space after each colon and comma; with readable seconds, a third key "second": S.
{"hour": 2, "minute": 52, "second": 23}
